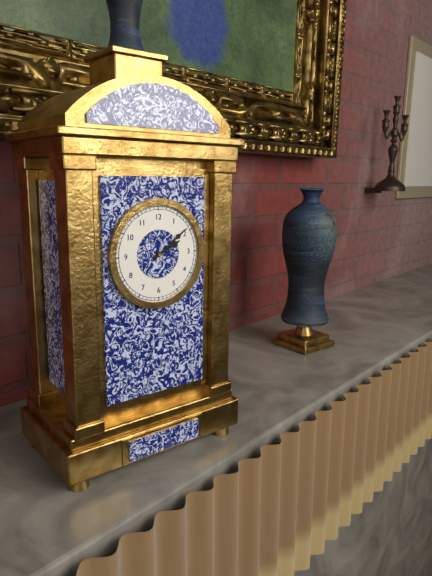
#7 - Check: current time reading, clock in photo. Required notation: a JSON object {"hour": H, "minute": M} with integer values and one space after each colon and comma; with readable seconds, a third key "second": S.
{"hour": 2, "minute": 9}
